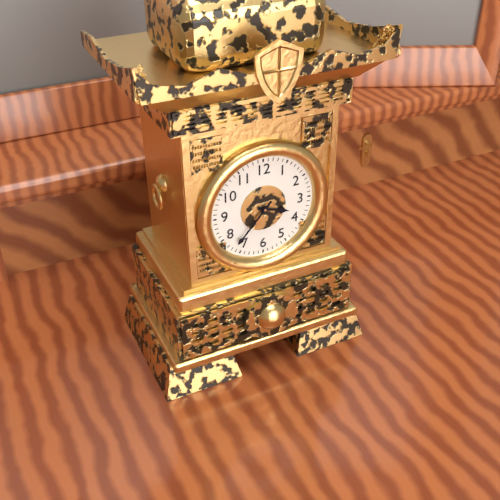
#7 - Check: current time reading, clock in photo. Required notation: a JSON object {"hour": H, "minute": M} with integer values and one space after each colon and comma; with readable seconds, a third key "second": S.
{"hour": 3, "minute": 37}
